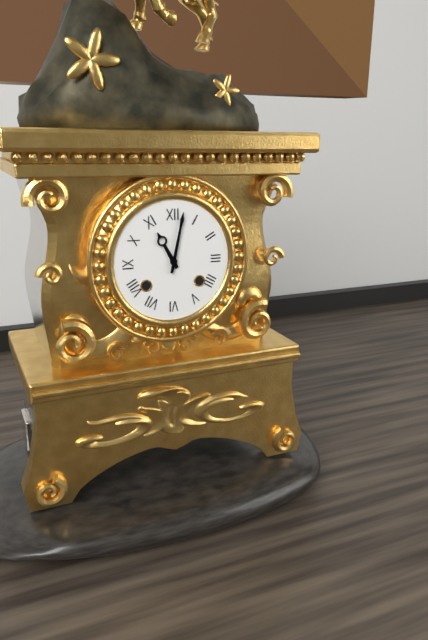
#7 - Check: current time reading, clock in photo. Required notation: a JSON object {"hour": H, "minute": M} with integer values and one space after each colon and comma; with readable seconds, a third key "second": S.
{"hour": 11, "minute": 2}
